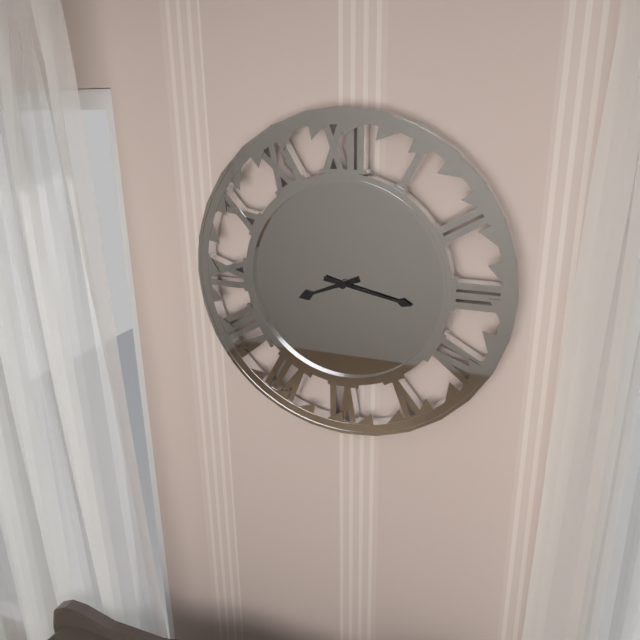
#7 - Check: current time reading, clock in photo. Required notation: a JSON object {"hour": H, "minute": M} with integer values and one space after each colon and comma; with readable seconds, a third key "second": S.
{"hour": 8, "minute": 17}
